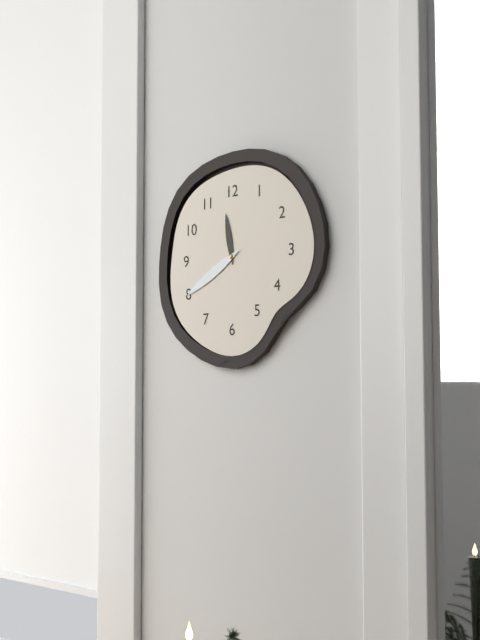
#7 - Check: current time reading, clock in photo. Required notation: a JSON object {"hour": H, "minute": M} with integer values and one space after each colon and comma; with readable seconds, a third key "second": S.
{"hour": 11, "minute": 40}
